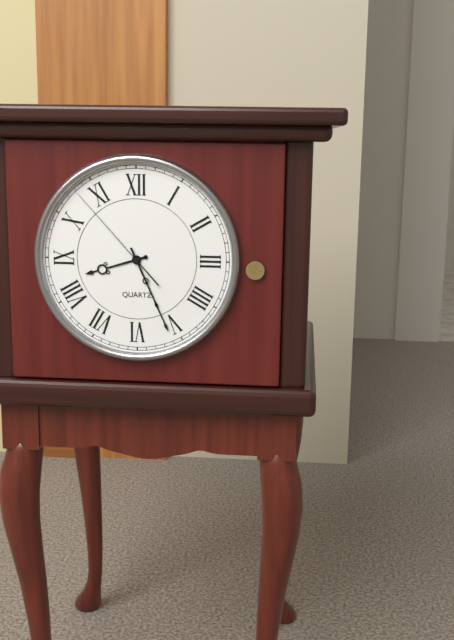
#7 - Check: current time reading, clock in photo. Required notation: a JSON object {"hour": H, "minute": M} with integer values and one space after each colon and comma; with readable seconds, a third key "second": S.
{"hour": 8, "minute": 26, "second": 53}
